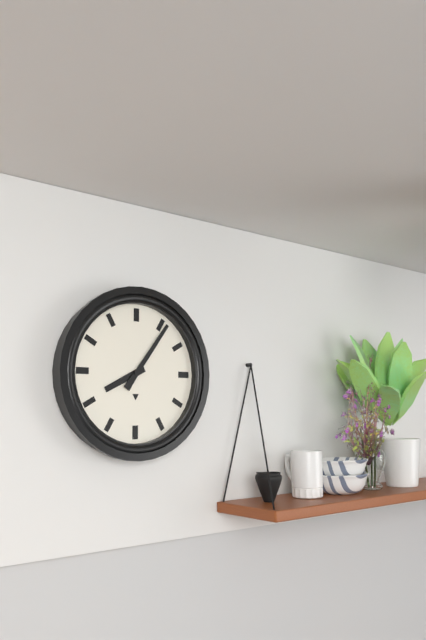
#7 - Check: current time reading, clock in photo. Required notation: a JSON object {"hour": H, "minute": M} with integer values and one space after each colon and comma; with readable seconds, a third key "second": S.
{"hour": 8, "minute": 6}
